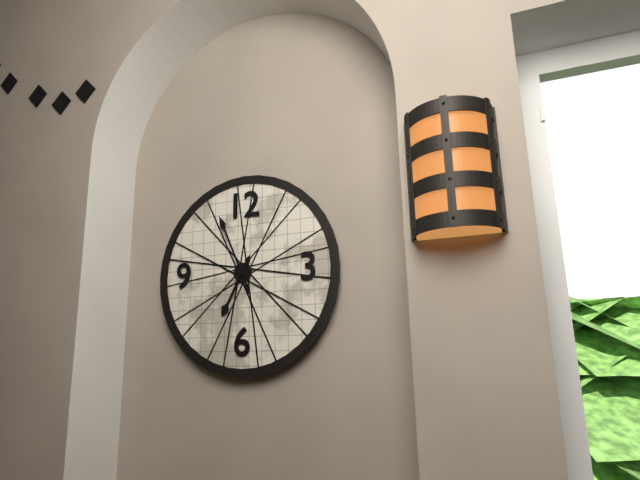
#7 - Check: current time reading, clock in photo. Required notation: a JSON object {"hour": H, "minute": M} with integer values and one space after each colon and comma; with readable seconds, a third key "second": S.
{"hour": 6, "minute": 56}
